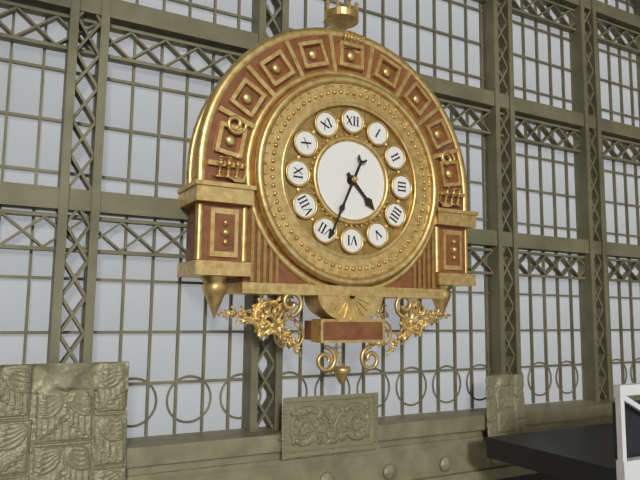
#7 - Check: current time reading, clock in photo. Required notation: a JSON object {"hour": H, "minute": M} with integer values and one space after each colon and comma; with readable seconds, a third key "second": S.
{"hour": 4, "minute": 34}
